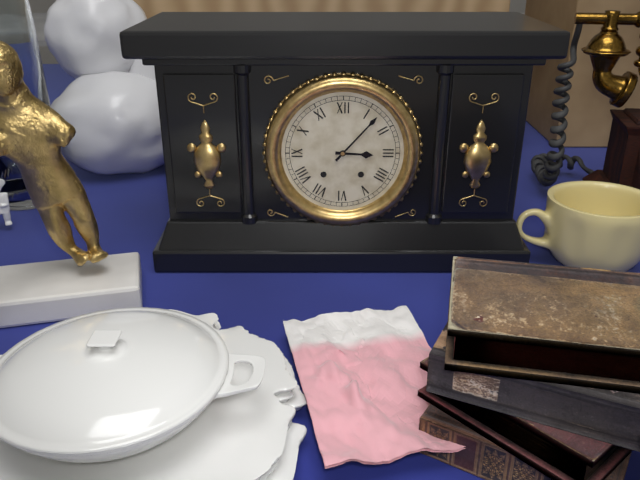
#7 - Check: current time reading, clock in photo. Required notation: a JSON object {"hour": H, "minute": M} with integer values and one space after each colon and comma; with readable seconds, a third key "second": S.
{"hour": 3, "minute": 7}
